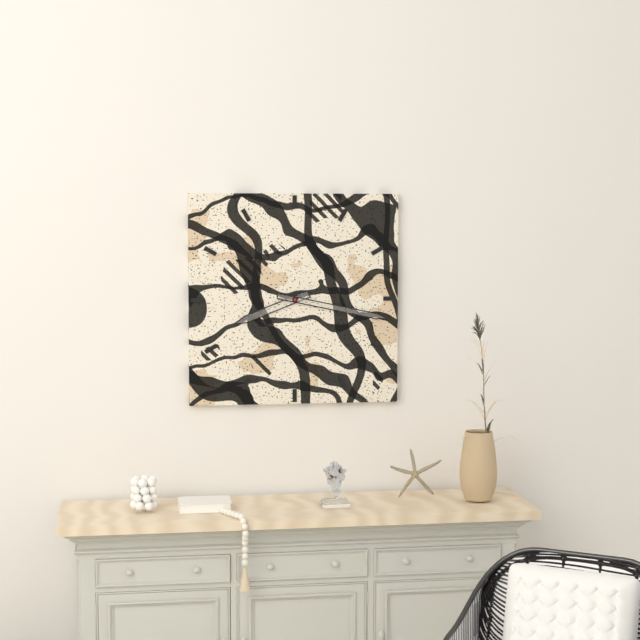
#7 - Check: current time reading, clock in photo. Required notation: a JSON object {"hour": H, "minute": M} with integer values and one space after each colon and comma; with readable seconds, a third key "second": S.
{"hour": 8, "minute": 17}
